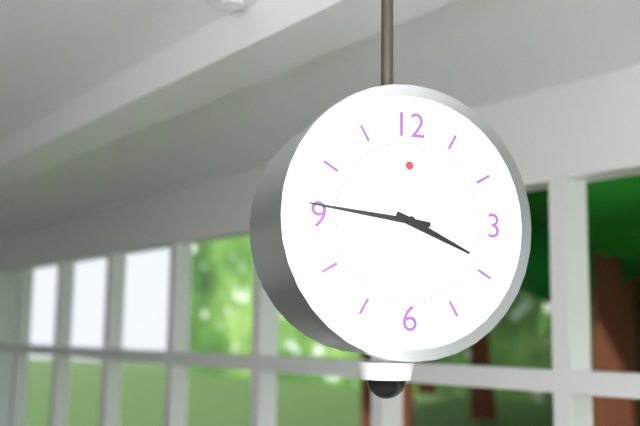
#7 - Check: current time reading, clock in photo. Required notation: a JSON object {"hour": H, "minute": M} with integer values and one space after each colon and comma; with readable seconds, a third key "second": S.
{"hour": 3, "minute": 46}
